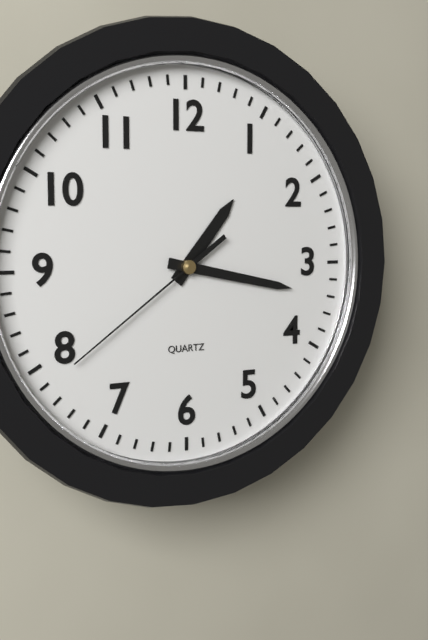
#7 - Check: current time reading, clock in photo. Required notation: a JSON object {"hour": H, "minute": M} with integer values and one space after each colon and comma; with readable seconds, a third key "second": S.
{"hour": 1, "minute": 17, "second": 39}
